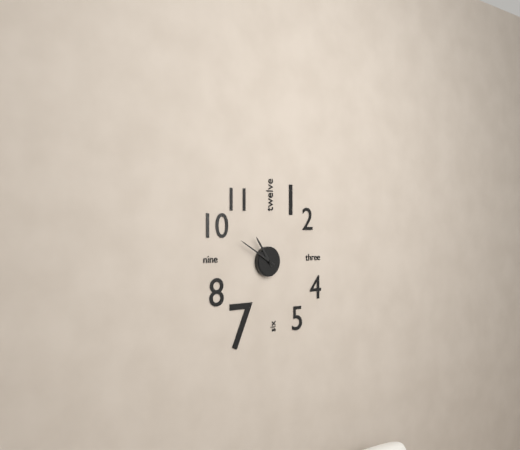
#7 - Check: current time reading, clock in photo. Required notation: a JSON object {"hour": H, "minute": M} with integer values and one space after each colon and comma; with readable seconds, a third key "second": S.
{"hour": 10, "minute": 50}
